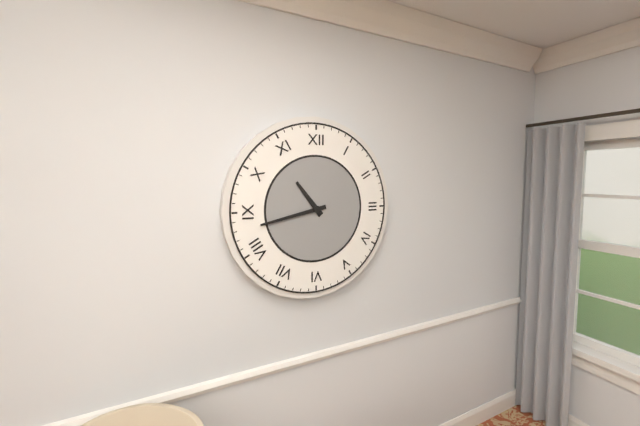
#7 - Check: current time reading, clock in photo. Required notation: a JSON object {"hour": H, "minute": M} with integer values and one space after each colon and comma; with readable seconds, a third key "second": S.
{"hour": 10, "minute": 43}
